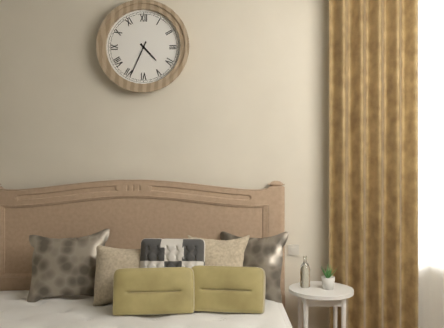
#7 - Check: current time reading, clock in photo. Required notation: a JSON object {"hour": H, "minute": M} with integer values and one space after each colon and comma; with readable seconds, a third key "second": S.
{"hour": 4, "minute": 34}
